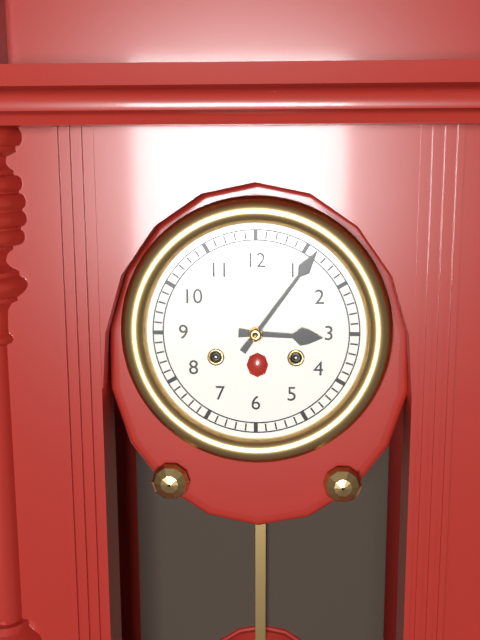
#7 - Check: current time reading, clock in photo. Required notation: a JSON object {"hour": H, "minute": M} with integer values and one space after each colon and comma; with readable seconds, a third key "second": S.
{"hour": 3, "minute": 6}
